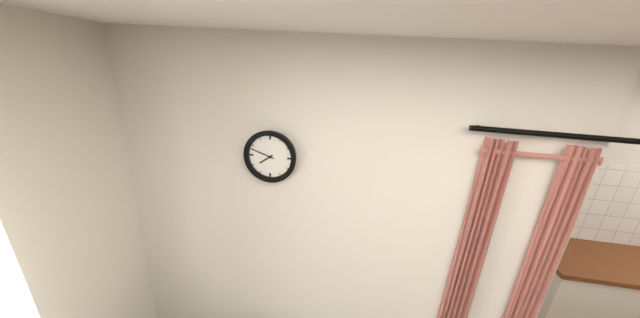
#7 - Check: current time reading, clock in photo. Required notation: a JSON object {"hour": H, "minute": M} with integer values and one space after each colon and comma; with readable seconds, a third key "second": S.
{"hour": 7, "minute": 48}
